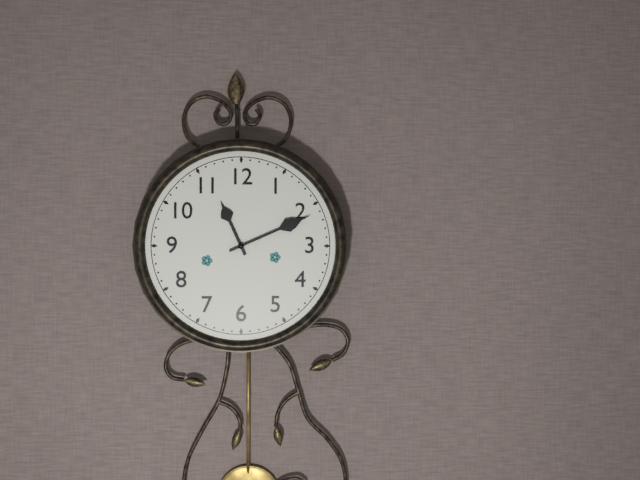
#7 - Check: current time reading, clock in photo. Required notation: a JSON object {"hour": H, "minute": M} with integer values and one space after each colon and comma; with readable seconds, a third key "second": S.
{"hour": 11, "minute": 11}
